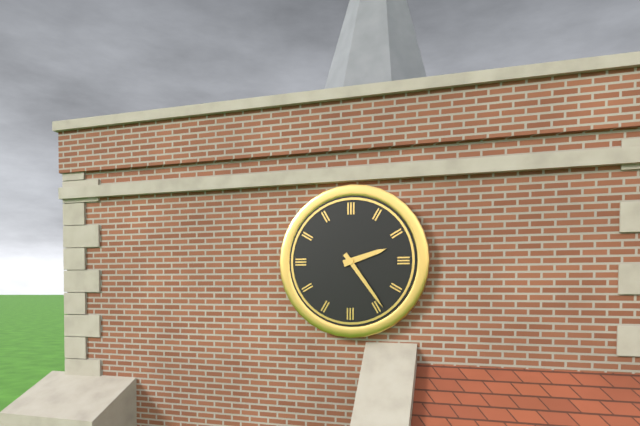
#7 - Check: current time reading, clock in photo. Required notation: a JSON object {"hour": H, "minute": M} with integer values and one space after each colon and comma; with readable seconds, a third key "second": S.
{"hour": 2, "minute": 24}
